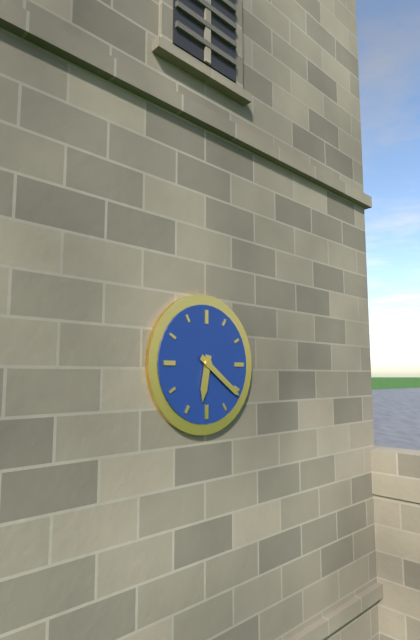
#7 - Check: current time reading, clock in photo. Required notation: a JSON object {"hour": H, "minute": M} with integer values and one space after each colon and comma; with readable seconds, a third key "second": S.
{"hour": 6, "minute": 21}
